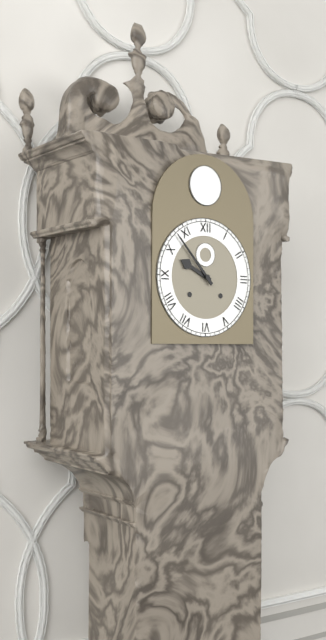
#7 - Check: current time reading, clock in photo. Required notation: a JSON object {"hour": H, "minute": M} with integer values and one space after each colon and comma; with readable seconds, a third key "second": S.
{"hour": 9, "minute": 53}
